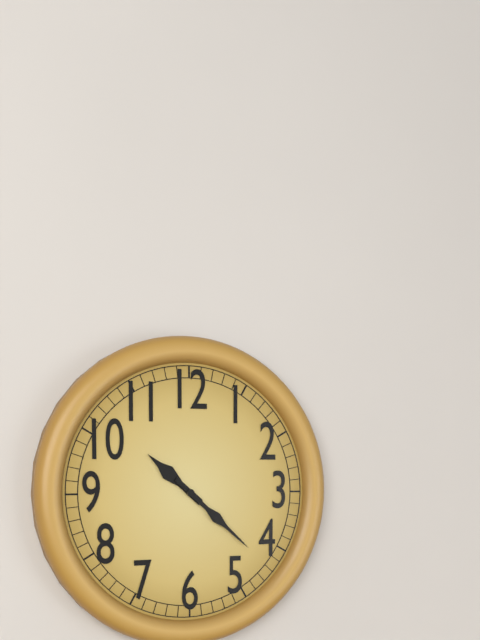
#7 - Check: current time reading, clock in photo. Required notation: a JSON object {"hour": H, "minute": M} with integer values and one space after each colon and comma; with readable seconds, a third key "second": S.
{"hour": 10, "minute": 22}
